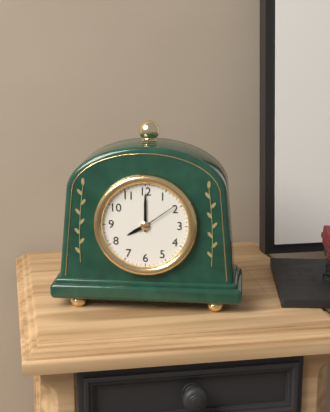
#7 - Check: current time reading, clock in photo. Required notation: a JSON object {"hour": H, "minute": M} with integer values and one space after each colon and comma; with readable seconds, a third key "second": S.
{"hour": 8, "minute": 0}
